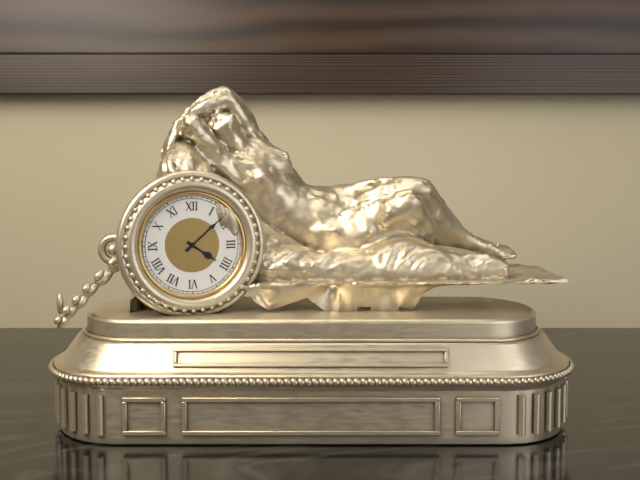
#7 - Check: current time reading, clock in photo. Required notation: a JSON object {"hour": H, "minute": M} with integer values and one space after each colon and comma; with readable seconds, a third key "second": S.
{"hour": 4, "minute": 8}
